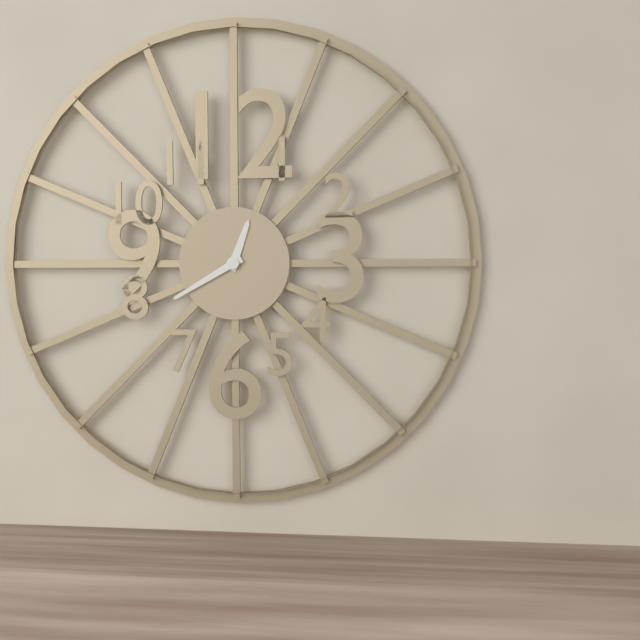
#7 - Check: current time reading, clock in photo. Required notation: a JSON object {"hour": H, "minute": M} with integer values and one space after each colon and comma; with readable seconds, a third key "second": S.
{"hour": 12, "minute": 40}
